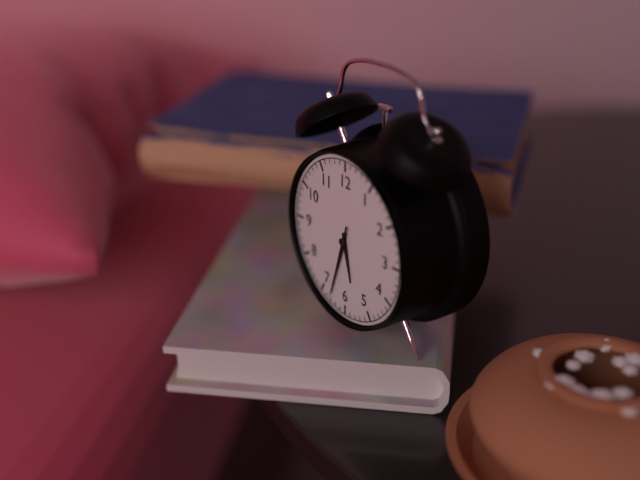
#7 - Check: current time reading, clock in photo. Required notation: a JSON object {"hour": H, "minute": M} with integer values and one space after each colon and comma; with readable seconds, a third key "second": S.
{"hour": 5, "minute": 33, "second": 33}
